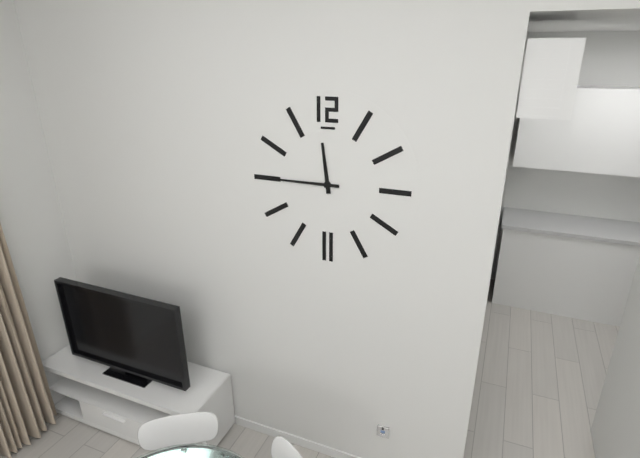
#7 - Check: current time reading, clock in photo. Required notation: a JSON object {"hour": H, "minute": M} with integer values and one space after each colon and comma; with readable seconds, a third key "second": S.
{"hour": 11, "minute": 45}
